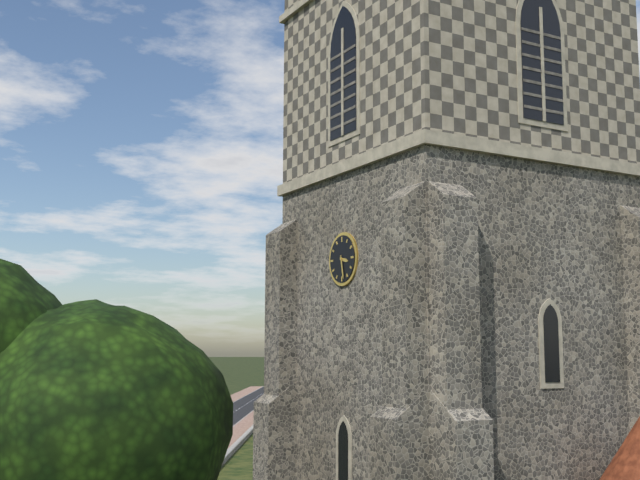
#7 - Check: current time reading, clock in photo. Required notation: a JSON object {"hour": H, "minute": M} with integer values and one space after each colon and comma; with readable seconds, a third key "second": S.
{"hour": 3, "minute": 28}
